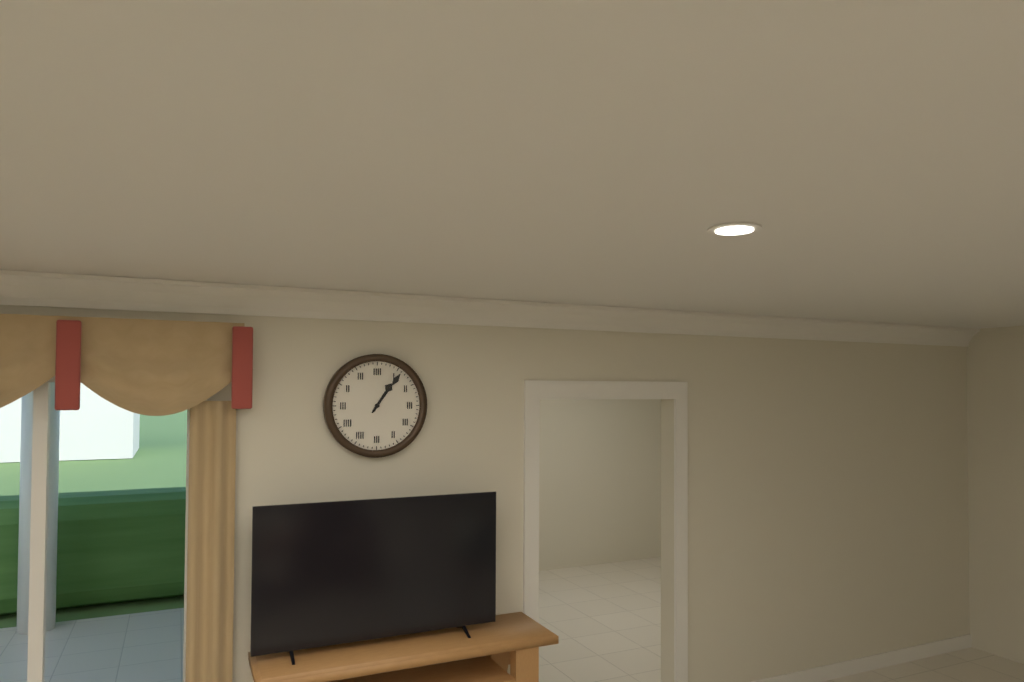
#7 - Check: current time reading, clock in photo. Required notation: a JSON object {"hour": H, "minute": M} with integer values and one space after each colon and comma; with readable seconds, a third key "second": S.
{"hour": 1, "minute": 6}
